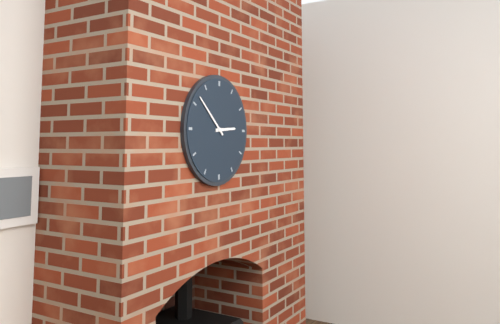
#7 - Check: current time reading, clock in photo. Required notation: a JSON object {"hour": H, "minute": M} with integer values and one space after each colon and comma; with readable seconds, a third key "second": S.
{"hour": 2, "minute": 52}
